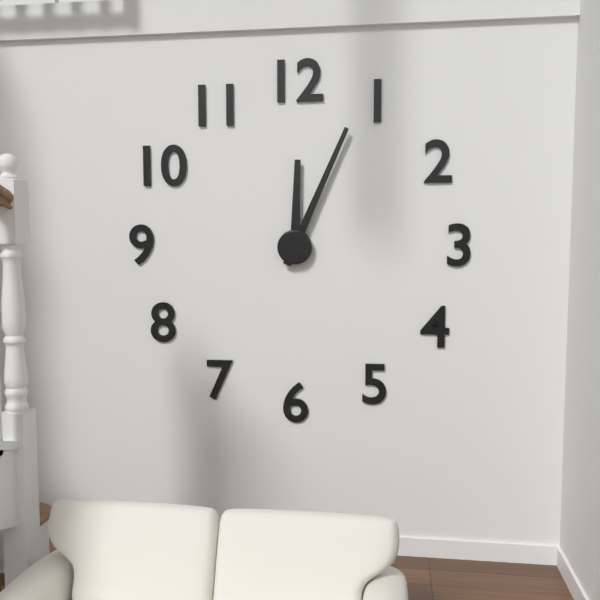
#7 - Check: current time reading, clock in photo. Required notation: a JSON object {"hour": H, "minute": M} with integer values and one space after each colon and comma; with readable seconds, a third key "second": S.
{"hour": 12, "minute": 4}
